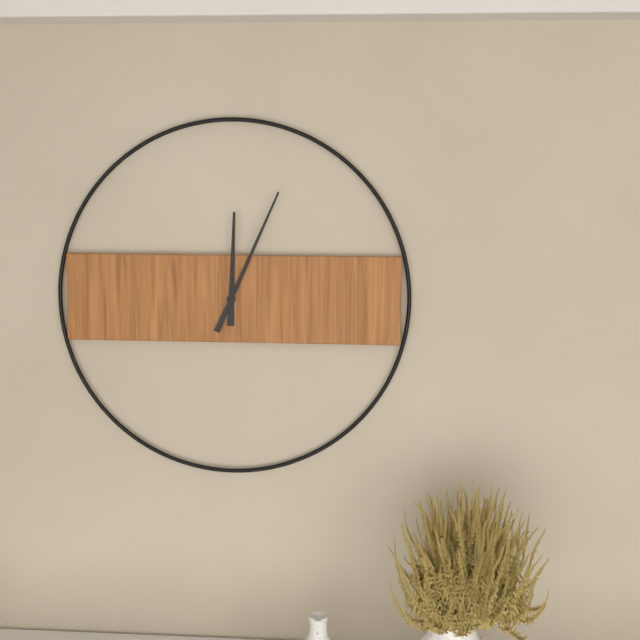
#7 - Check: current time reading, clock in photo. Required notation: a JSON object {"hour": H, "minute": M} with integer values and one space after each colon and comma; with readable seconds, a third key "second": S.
{"hour": 12, "minute": 4}
